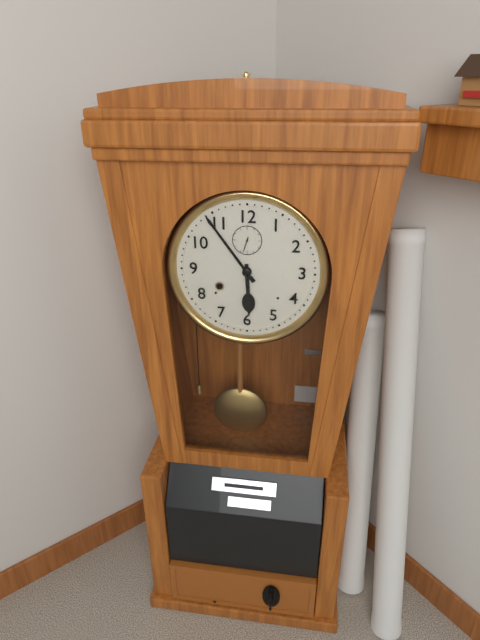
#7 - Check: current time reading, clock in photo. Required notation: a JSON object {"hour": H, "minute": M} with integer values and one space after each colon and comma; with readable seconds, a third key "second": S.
{"hour": 5, "minute": 54}
